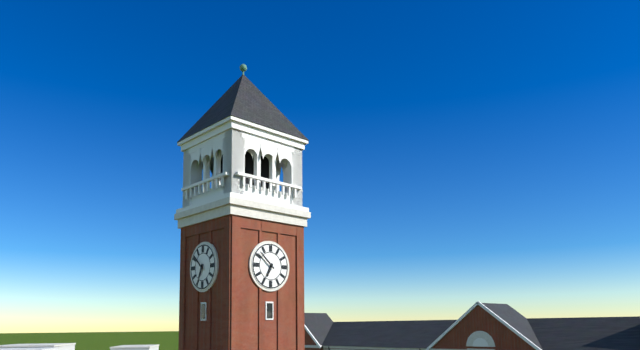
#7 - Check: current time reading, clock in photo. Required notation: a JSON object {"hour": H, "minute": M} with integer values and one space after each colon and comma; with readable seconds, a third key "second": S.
{"hour": 6, "minute": 52}
